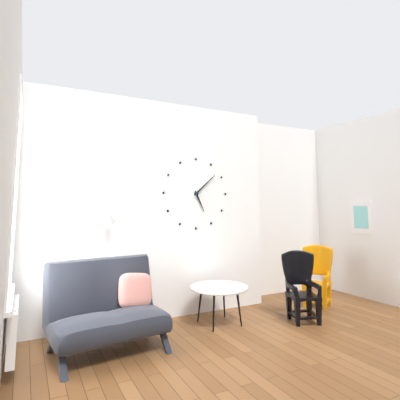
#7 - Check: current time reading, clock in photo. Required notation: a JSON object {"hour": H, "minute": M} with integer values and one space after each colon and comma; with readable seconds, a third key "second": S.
{"hour": 5, "minute": 8}
